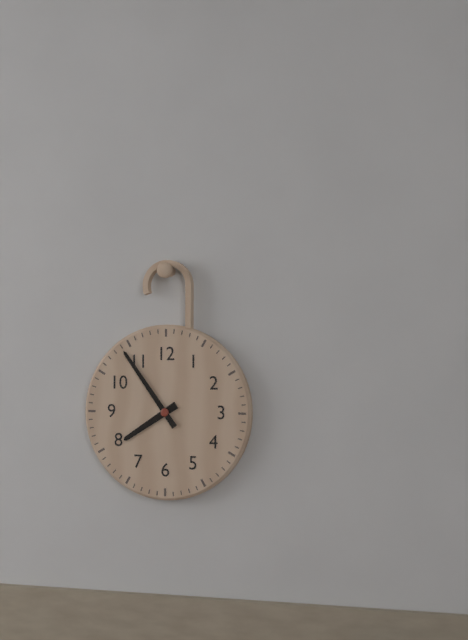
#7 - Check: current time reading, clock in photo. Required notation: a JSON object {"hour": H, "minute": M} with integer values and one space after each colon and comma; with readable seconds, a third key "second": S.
{"hour": 7, "minute": 54}
